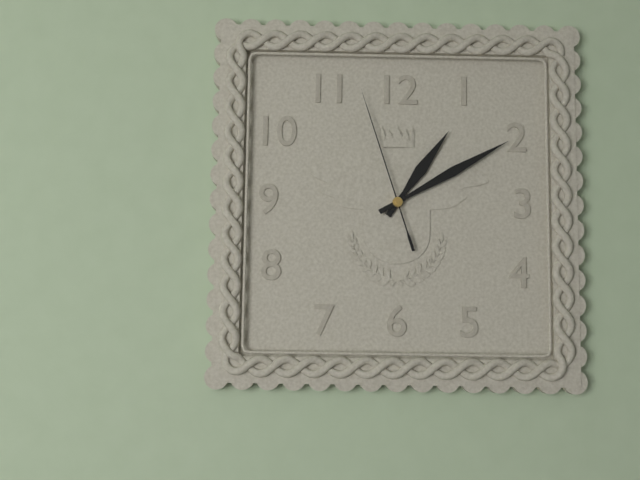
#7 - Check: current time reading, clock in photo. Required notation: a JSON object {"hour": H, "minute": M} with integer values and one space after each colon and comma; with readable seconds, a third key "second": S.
{"hour": 1, "minute": 10, "second": 57}
